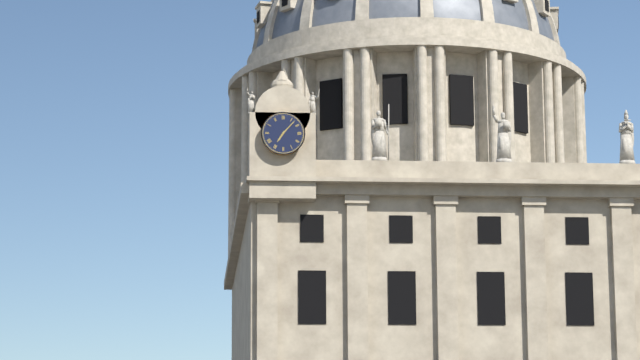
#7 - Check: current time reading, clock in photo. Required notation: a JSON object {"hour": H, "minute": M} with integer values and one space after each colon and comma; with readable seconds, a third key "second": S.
{"hour": 7, "minute": 7}
